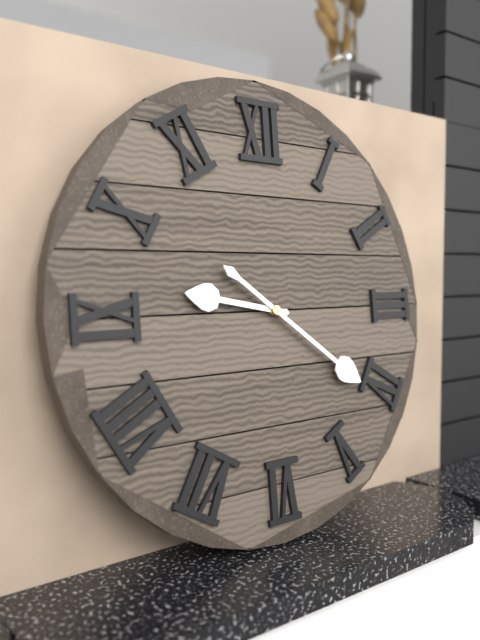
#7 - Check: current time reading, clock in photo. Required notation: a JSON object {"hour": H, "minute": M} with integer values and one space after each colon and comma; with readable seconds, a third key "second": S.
{"hour": 9, "minute": 21}
